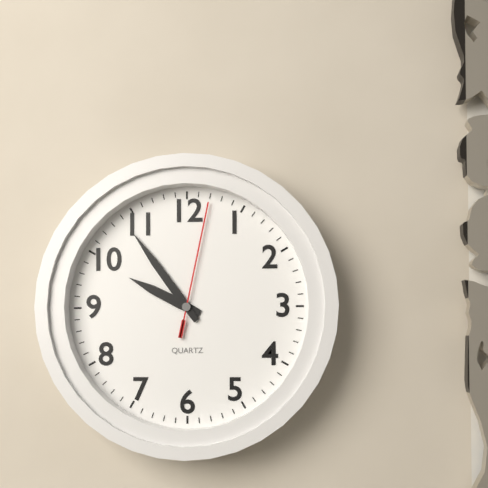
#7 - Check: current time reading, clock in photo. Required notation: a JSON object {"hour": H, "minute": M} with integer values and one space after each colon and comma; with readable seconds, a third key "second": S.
{"hour": 9, "minute": 54, "second": 2}
